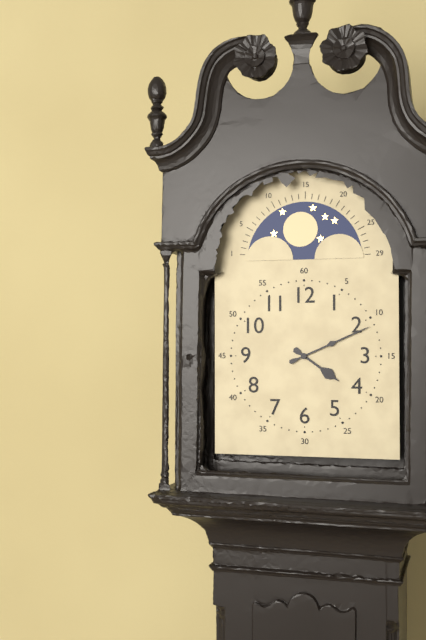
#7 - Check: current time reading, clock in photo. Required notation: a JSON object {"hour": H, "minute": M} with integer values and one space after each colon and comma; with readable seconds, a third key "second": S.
{"hour": 4, "minute": 11}
